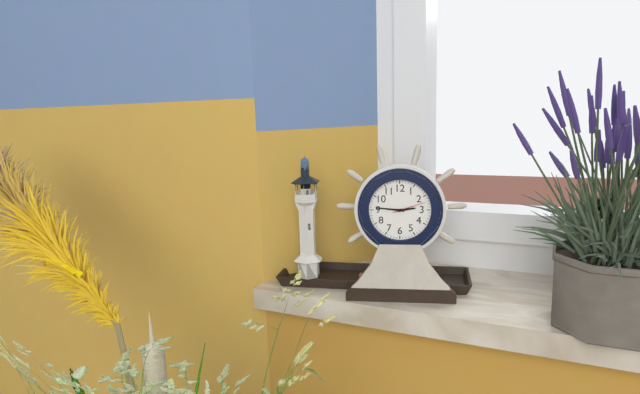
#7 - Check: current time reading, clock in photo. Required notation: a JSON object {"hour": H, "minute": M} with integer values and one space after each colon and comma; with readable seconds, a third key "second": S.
{"hour": 2, "minute": 46}
